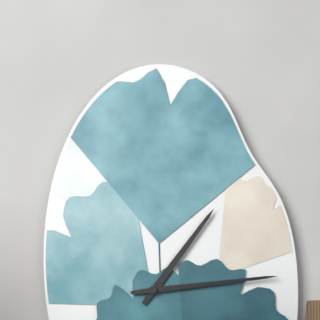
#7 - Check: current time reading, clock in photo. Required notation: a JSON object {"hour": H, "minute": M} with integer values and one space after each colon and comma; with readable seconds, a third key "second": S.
{"hour": 1, "minute": 14}
